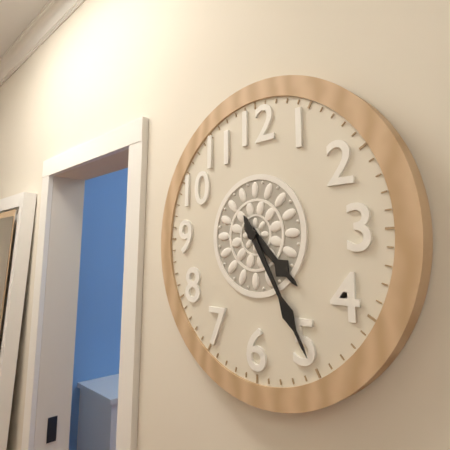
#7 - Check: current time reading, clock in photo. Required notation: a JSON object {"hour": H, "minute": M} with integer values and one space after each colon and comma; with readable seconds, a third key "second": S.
{"hour": 4, "minute": 25}
